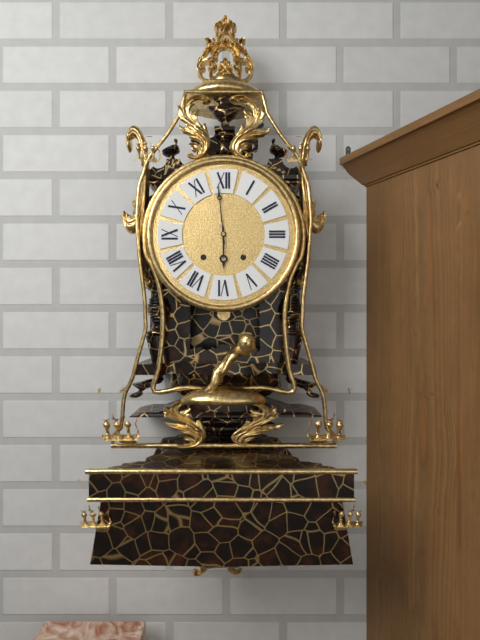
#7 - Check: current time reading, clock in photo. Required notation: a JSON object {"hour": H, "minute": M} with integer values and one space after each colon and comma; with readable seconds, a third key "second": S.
{"hour": 5, "minute": 59}
